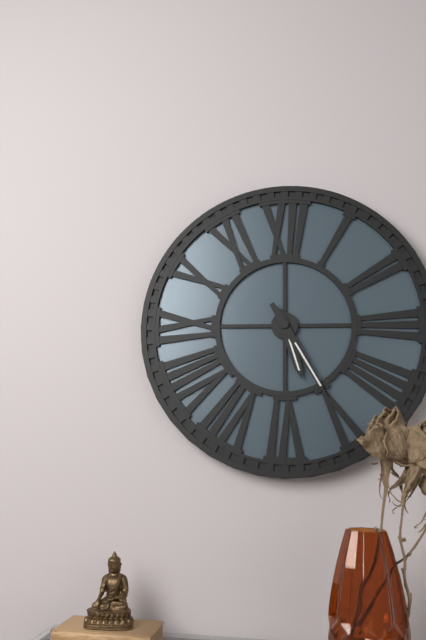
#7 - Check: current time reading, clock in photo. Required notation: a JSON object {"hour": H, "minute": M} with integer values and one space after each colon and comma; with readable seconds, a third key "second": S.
{"hour": 5, "minute": 25}
